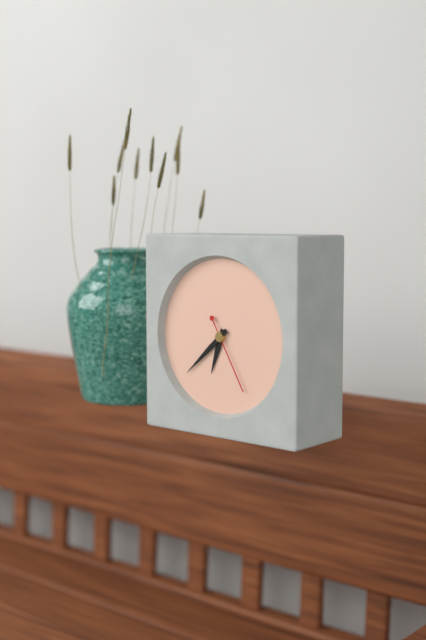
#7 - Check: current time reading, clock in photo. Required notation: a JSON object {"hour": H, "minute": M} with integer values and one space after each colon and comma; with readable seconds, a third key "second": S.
{"hour": 6, "minute": 38, "second": 25}
